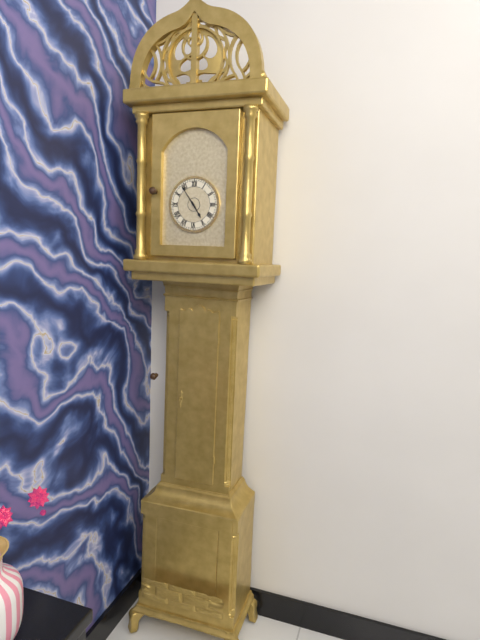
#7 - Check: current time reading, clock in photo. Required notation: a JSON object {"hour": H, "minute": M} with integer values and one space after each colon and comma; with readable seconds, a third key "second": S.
{"hour": 4, "minute": 54}
